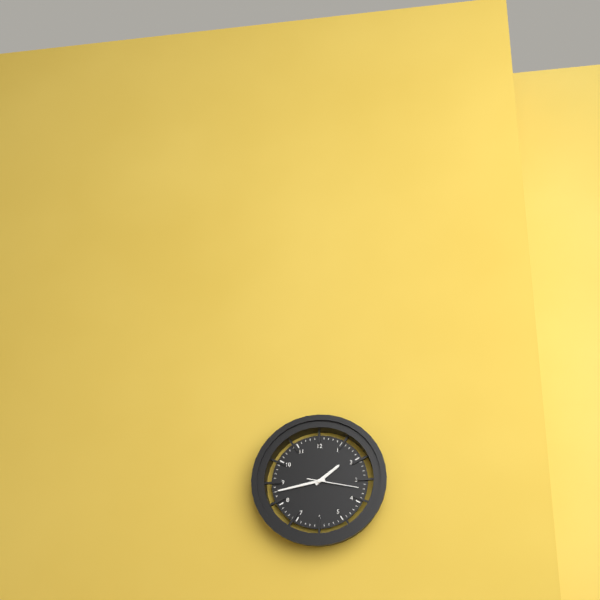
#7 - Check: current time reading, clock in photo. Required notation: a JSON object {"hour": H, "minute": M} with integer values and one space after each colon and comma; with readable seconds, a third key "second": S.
{"hour": 1, "minute": 43, "second": 17}
